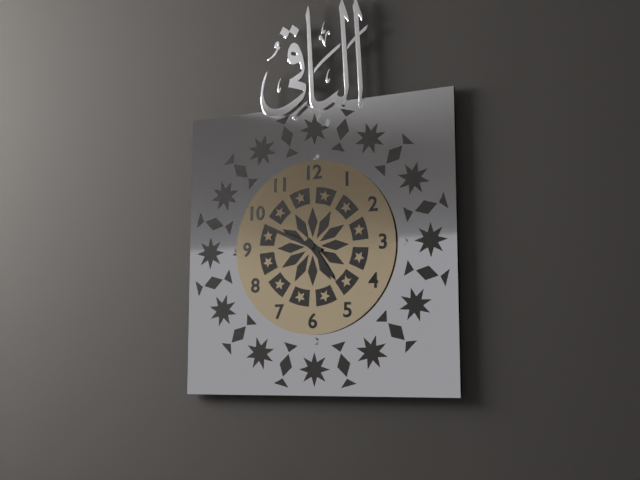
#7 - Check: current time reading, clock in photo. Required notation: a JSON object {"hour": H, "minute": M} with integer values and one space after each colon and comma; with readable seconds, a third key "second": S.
{"hour": 4, "minute": 49}
